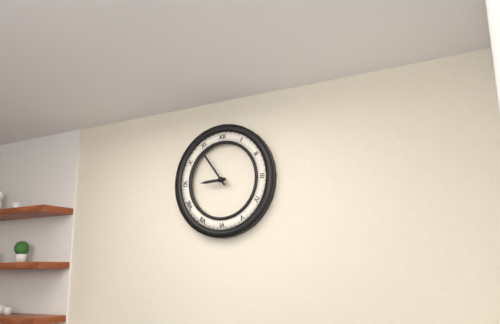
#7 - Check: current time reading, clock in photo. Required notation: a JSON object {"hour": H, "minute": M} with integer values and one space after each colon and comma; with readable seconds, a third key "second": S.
{"hour": 8, "minute": 54}
